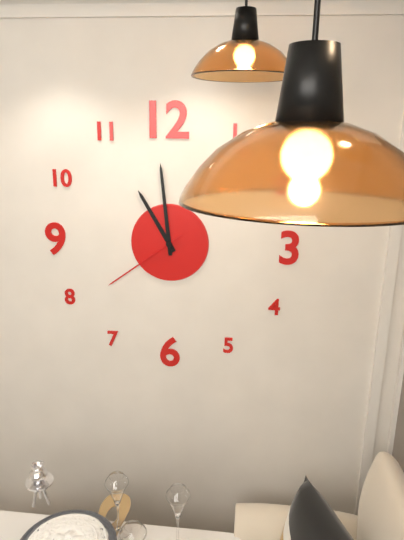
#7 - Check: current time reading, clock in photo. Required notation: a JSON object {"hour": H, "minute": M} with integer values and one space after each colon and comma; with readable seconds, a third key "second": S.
{"hour": 10, "minute": 59, "second": 39}
